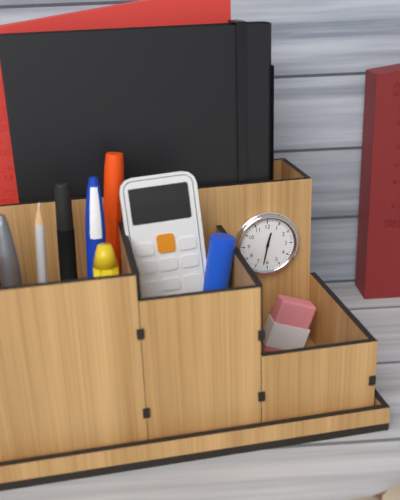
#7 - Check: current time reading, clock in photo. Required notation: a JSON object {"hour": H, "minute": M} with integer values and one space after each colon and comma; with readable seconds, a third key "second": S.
{"hour": 12, "minute": 32}
